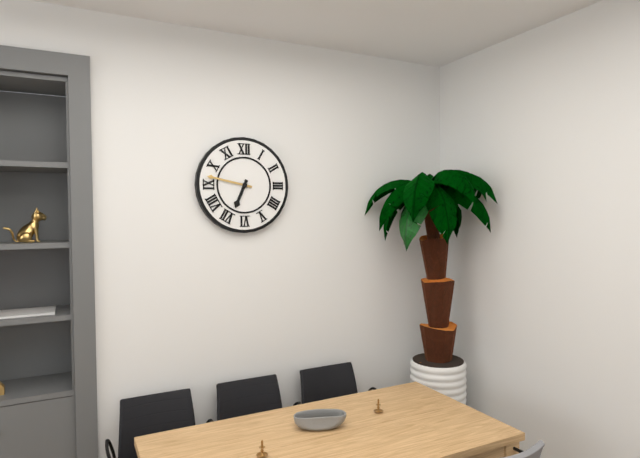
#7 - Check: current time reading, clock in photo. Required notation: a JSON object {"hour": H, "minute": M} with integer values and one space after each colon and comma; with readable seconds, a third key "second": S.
{"hour": 6, "minute": 47}
